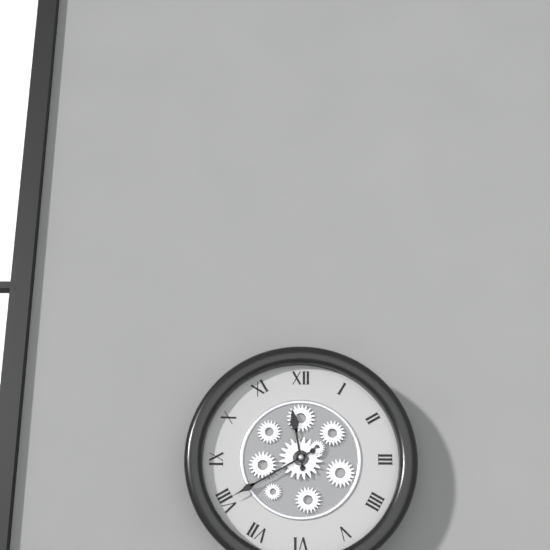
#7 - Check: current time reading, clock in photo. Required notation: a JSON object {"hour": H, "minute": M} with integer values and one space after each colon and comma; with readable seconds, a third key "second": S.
{"hour": 11, "minute": 40}
